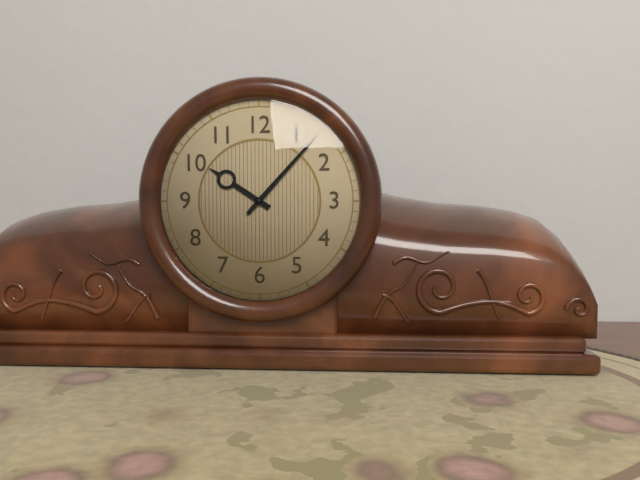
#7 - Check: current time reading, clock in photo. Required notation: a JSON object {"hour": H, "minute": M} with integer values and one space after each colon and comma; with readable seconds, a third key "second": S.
{"hour": 10, "minute": 7}
